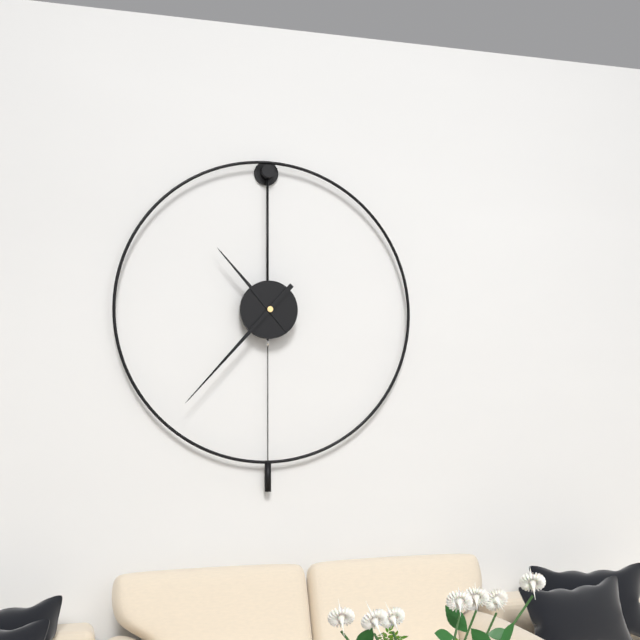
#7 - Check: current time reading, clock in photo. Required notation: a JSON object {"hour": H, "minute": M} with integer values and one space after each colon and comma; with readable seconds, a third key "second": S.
{"hour": 10, "minute": 37}
